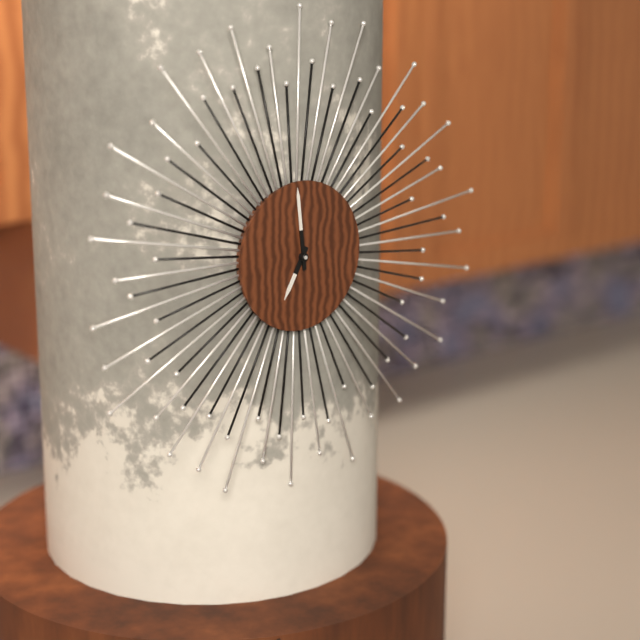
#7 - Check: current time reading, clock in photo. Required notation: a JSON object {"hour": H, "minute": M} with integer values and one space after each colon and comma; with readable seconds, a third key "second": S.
{"hour": 6, "minute": 59}
